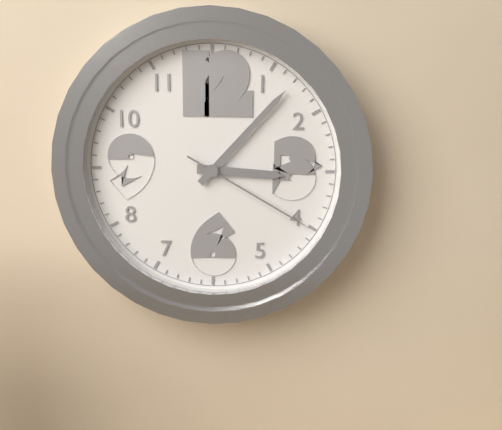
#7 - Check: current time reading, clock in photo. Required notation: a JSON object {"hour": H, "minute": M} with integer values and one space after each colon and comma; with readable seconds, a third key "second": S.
{"hour": 3, "minute": 7, "second": 20}
